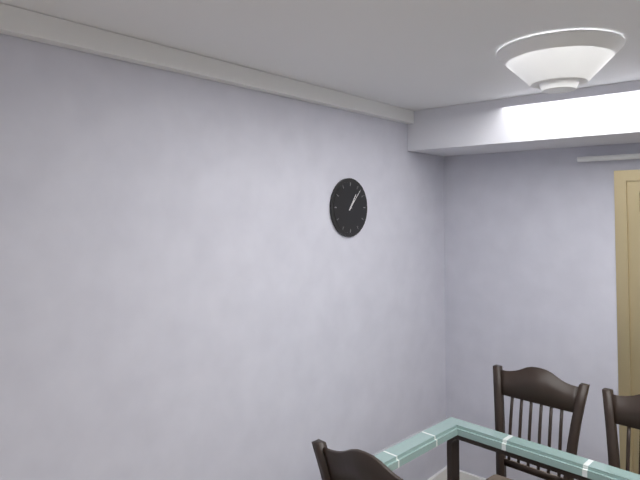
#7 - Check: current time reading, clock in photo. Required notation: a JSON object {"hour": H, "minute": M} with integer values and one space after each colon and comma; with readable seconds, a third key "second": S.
{"hour": 1, "minute": 7}
